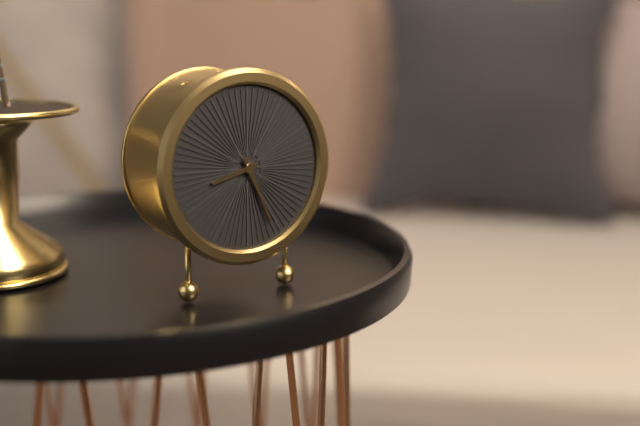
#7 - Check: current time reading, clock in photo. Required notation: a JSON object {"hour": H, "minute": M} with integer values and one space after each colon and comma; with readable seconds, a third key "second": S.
{"hour": 8, "minute": 26}
